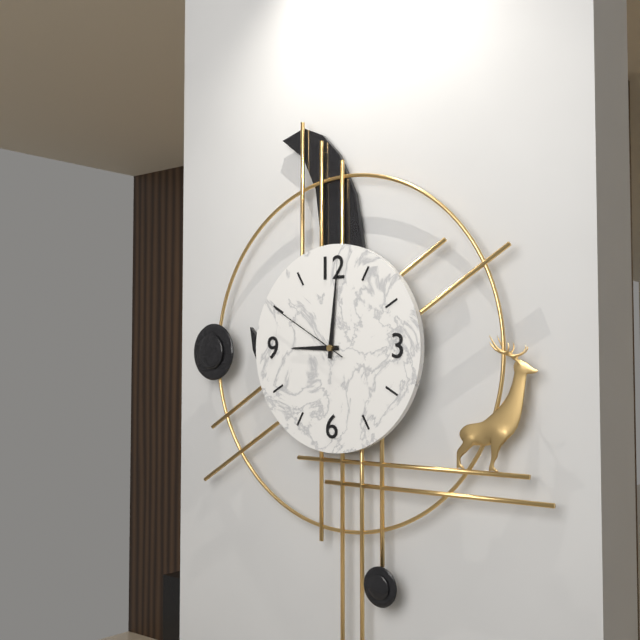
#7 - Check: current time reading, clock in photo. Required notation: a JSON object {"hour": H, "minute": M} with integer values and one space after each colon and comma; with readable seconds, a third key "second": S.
{"hour": 9, "minute": 1, "second": 50}
